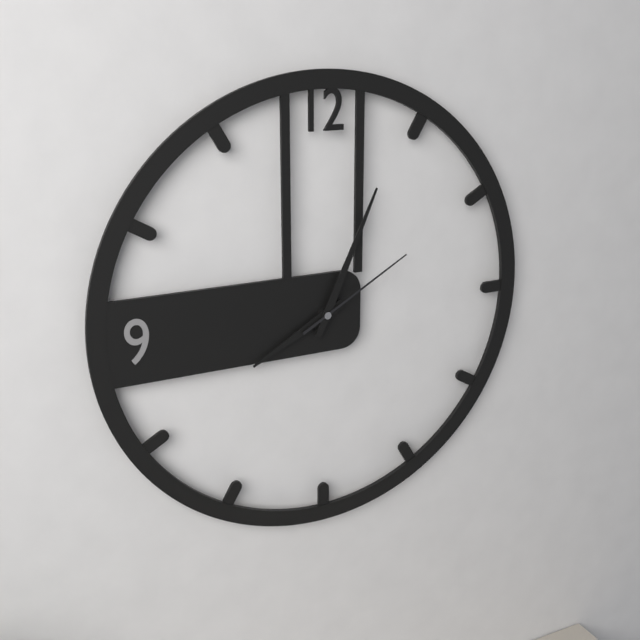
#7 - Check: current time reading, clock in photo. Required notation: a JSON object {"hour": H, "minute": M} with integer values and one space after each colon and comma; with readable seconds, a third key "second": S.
{"hour": 8, "minute": 4, "second": 10}
